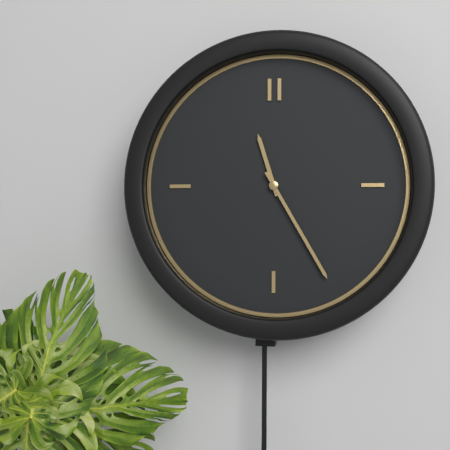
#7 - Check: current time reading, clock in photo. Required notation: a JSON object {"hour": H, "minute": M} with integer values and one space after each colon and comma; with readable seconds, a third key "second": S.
{"hour": 11, "minute": 25}
